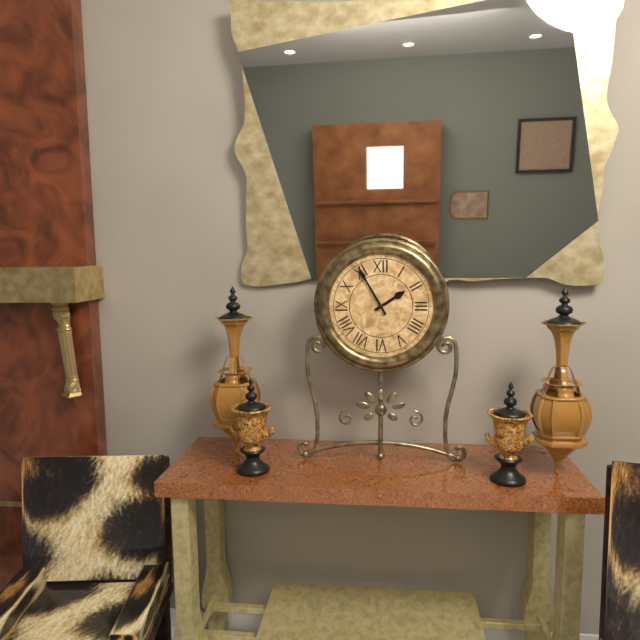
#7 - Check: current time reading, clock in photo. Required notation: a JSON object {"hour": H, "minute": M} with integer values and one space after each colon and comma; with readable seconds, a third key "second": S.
{"hour": 1, "minute": 55}
